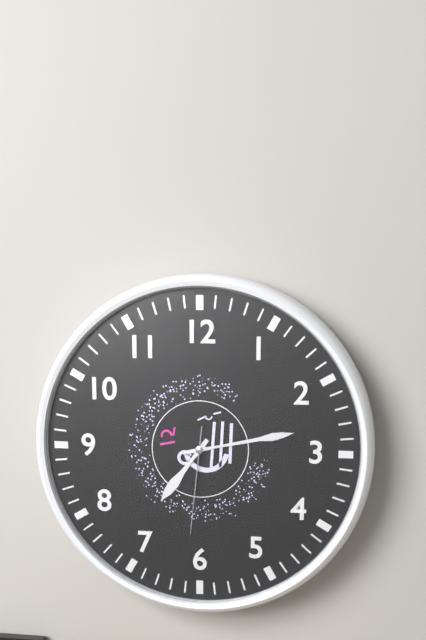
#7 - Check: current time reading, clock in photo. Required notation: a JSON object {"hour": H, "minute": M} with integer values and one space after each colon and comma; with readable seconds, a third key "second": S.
{"hour": 7, "minute": 13, "second": 31}
